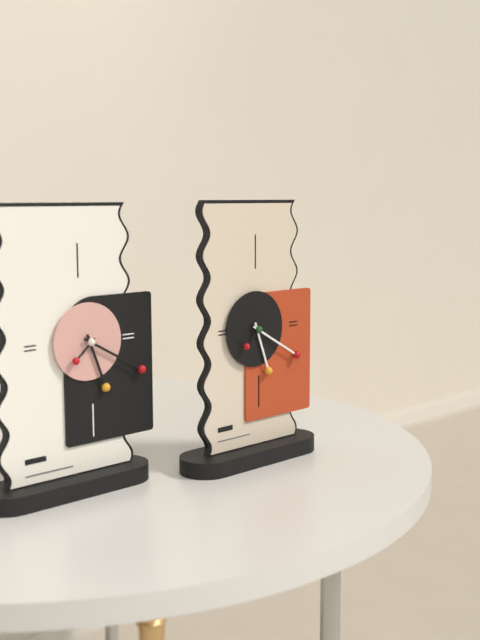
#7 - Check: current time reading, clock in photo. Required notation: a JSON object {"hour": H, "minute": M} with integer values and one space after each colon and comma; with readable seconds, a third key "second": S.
{"hour": 5, "minute": 20}
